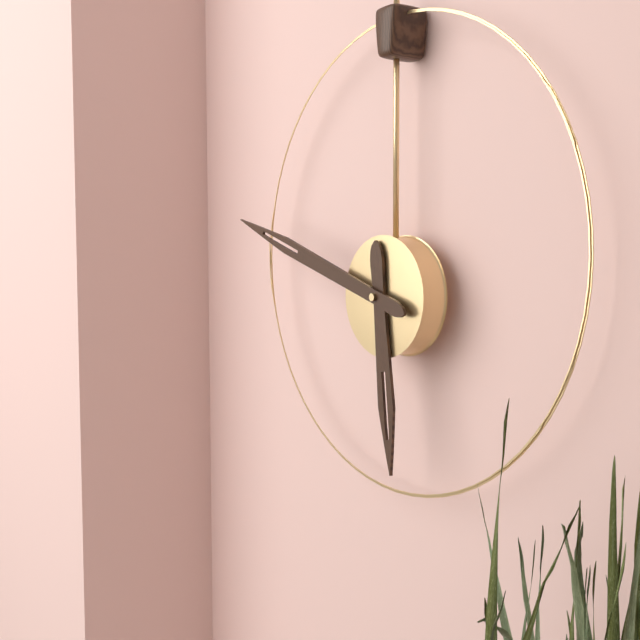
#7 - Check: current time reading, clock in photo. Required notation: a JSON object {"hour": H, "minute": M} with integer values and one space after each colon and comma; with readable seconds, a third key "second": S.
{"hour": 5, "minute": 48}
